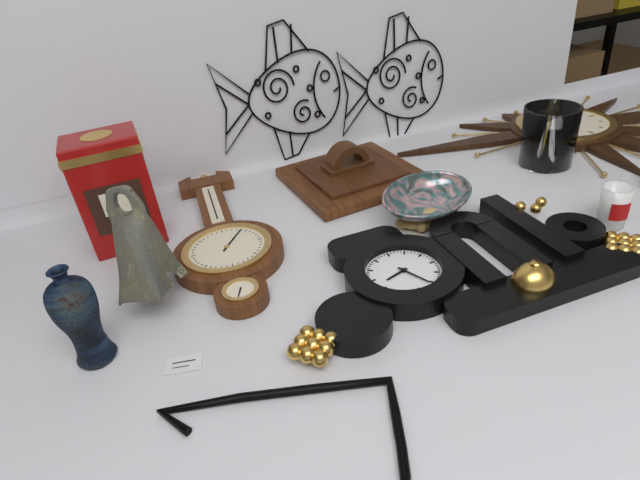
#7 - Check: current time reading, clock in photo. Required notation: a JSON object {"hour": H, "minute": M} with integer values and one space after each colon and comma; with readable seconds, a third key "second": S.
{"hour": 8, "minute": 26}
